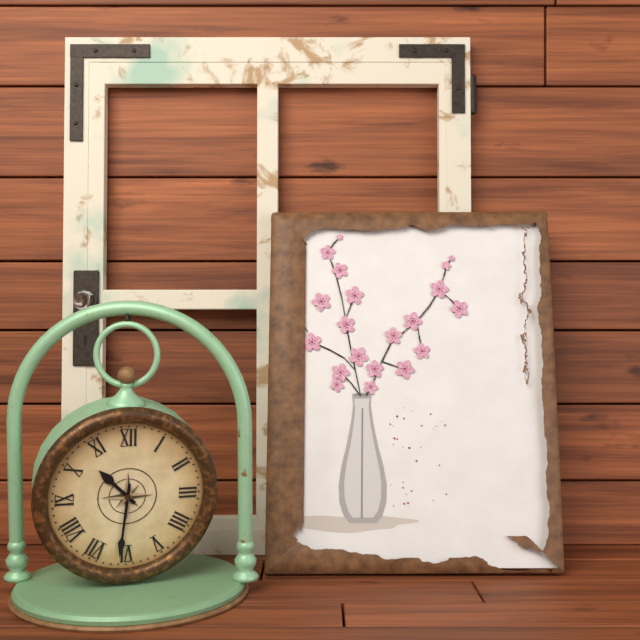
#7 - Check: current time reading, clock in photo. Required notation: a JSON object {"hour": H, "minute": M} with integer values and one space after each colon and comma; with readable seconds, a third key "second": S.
{"hour": 10, "minute": 31}
